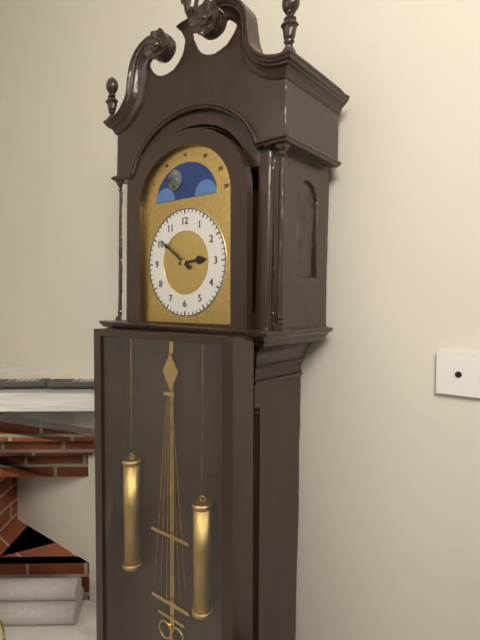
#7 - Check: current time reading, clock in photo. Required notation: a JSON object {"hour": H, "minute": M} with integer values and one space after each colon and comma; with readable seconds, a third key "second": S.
{"hour": 2, "minute": 51}
